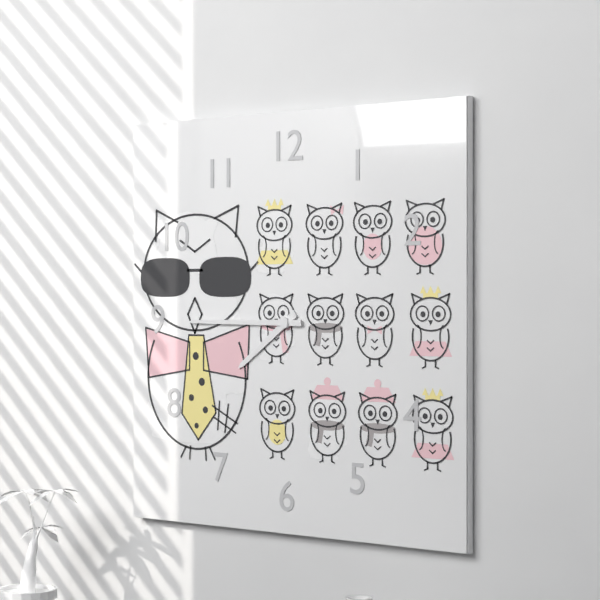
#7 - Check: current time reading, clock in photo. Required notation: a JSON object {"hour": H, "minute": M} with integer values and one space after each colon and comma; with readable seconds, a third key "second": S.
{"hour": 7, "minute": 45}
